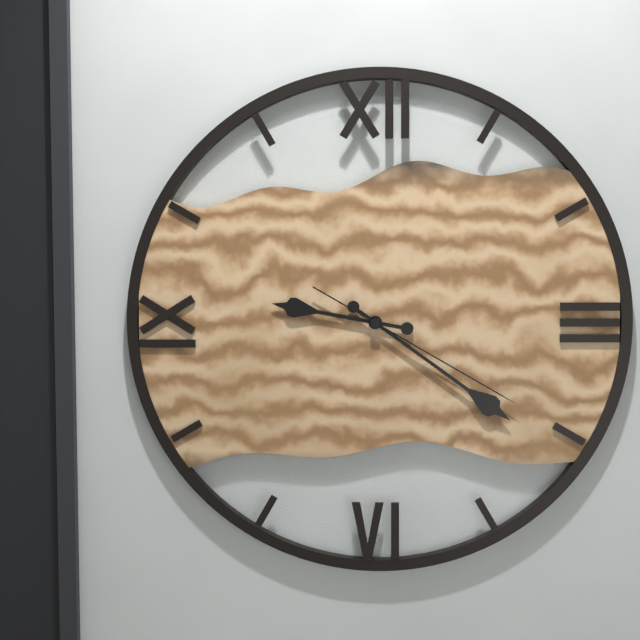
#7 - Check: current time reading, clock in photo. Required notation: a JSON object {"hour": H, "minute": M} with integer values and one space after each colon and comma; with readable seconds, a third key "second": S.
{"hour": 9, "minute": 21, "second": 20}
